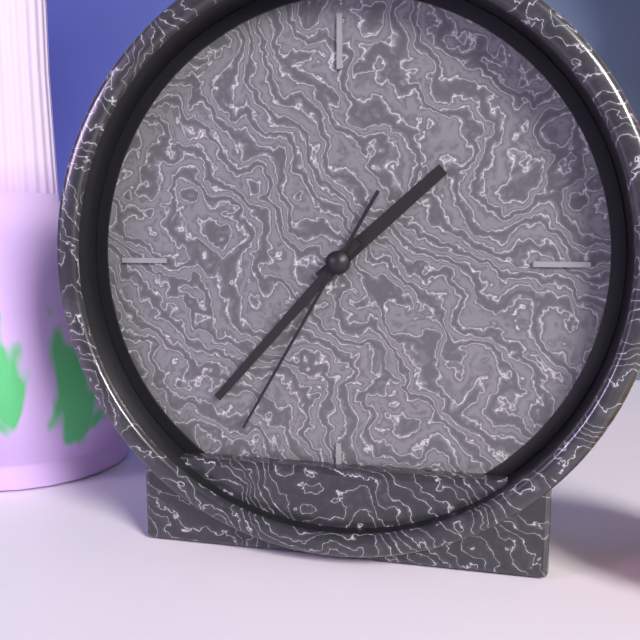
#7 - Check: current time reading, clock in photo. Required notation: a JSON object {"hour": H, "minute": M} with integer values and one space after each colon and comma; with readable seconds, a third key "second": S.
{"hour": 1, "minute": 37, "second": 35}
